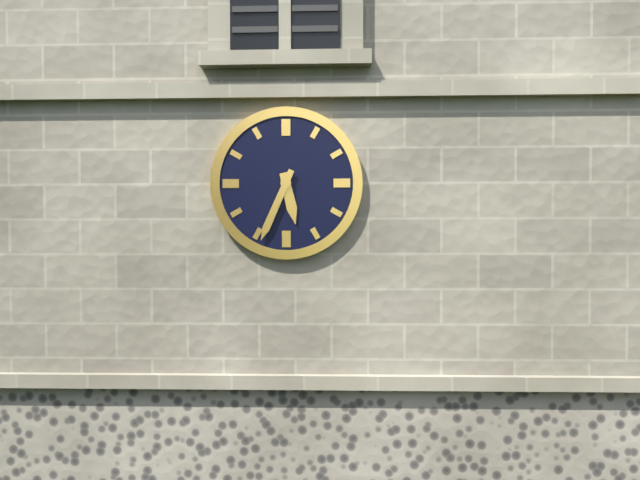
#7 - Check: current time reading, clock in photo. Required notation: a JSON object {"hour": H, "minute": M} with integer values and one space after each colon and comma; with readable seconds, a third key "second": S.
{"hour": 5, "minute": 34}
